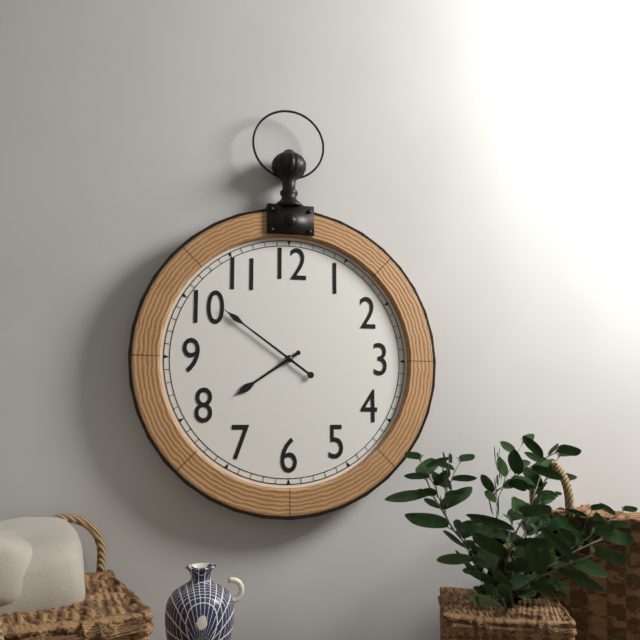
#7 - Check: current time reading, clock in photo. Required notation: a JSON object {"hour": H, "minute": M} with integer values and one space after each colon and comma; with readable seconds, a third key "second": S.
{"hour": 7, "minute": 51}
